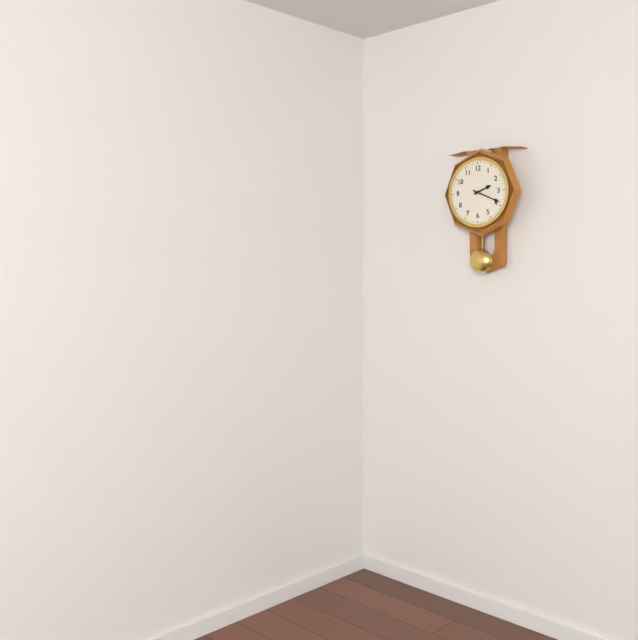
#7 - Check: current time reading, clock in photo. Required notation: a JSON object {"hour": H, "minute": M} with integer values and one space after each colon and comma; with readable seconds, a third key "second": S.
{"hour": 2, "minute": 19}
